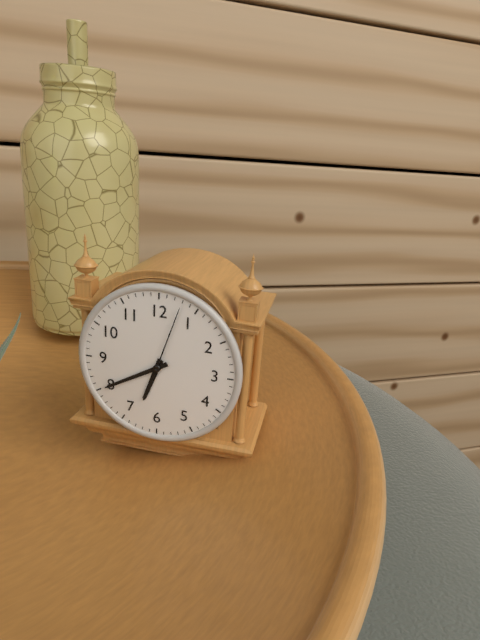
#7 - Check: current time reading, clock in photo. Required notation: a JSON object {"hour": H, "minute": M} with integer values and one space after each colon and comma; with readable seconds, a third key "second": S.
{"hour": 6, "minute": 40, "second": 3}
